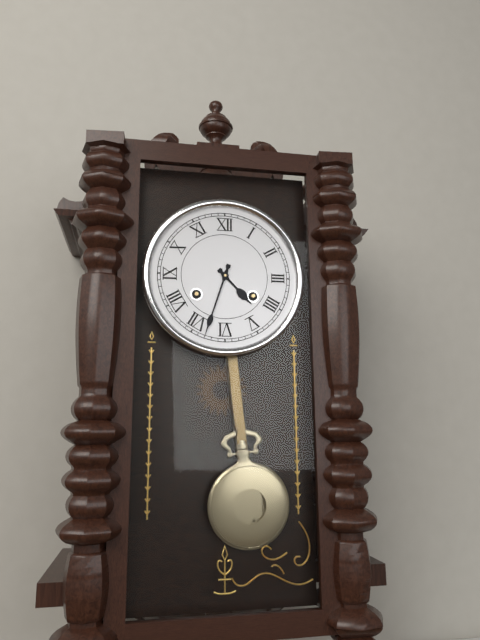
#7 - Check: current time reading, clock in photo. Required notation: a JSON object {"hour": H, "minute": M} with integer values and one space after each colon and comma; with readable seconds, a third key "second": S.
{"hour": 4, "minute": 33}
